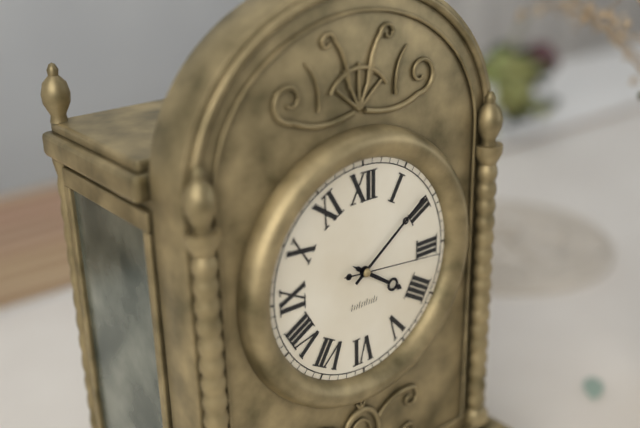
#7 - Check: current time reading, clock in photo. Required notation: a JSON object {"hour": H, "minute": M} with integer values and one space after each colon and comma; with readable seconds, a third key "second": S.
{"hour": 4, "minute": 9, "second": 16}
